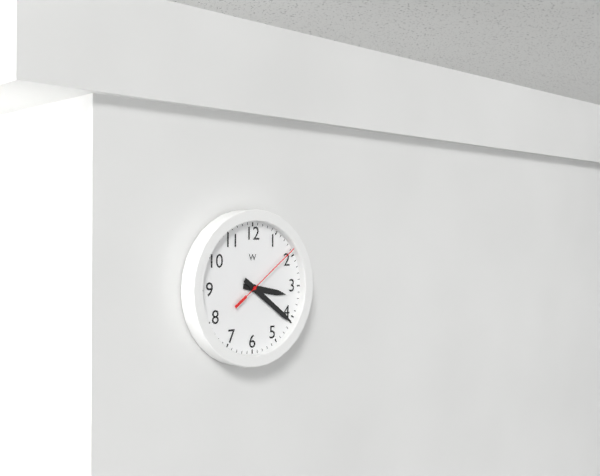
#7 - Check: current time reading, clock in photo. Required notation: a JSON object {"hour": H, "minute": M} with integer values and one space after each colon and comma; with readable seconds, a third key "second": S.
{"hour": 3, "minute": 21, "second": 9}
